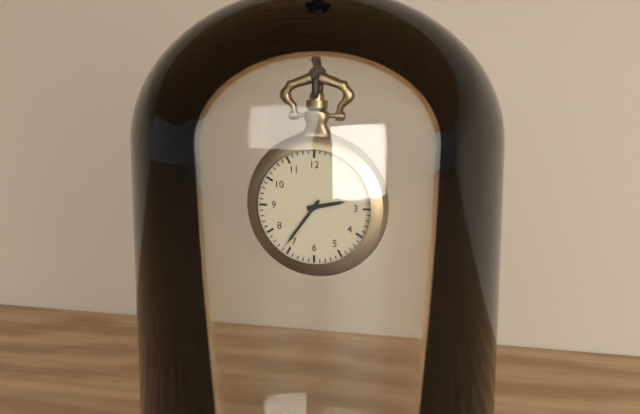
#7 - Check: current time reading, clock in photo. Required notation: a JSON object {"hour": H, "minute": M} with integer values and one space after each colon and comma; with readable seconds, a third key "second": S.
{"hour": 2, "minute": 36}
